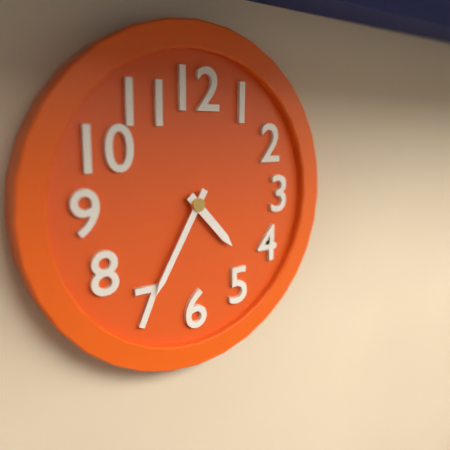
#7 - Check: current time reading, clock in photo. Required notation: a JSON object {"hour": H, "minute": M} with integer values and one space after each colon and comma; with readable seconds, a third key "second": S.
{"hour": 4, "minute": 35}
